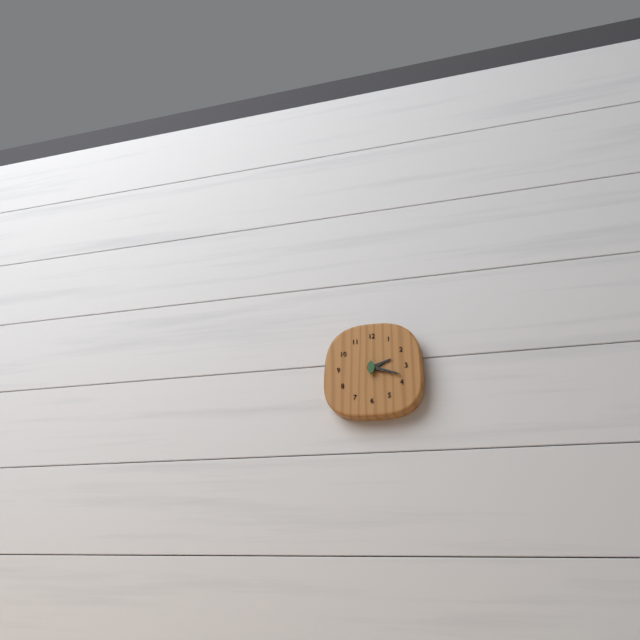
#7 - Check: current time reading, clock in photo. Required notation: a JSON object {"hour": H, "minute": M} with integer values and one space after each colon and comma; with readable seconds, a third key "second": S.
{"hour": 2, "minute": 18}
